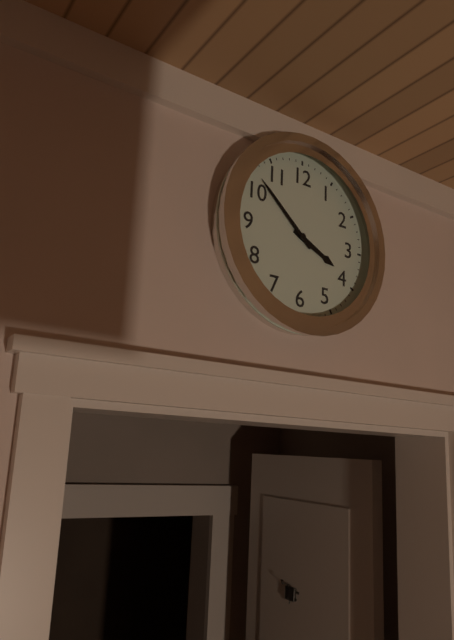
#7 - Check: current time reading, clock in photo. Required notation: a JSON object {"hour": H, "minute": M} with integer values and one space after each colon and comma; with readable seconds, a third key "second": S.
{"hour": 3, "minute": 52}
